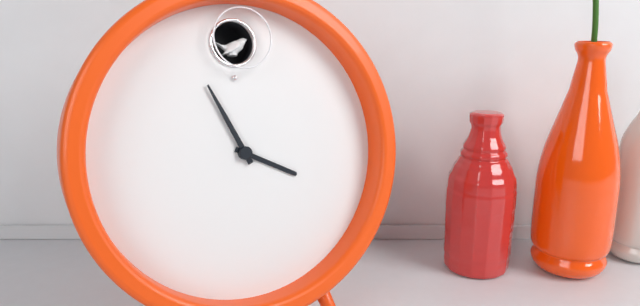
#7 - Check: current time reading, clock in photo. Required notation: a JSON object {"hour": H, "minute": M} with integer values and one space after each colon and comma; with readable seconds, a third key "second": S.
{"hour": 3, "minute": 56}
